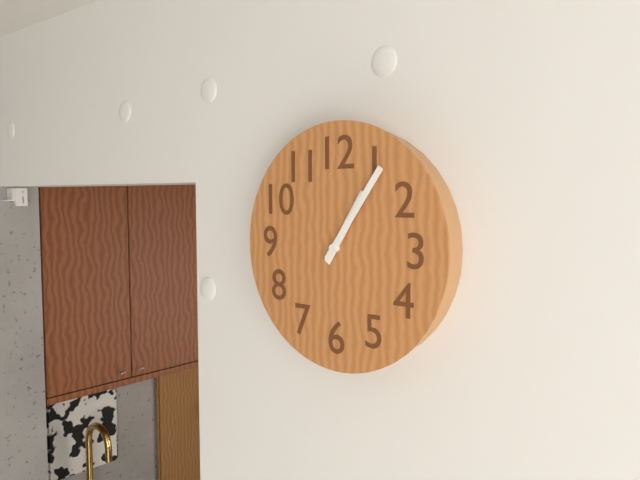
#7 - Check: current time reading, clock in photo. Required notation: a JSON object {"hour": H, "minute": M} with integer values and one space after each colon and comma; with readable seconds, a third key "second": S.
{"hour": 1, "minute": 6}
